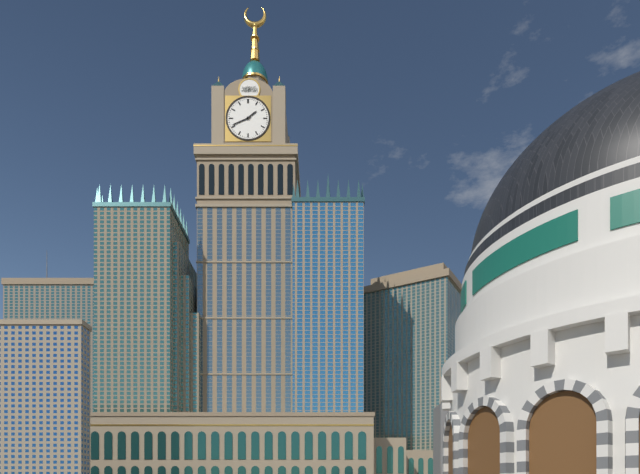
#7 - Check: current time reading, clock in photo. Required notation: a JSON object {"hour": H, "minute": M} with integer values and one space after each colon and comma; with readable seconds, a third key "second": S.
{"hour": 1, "minute": 41}
